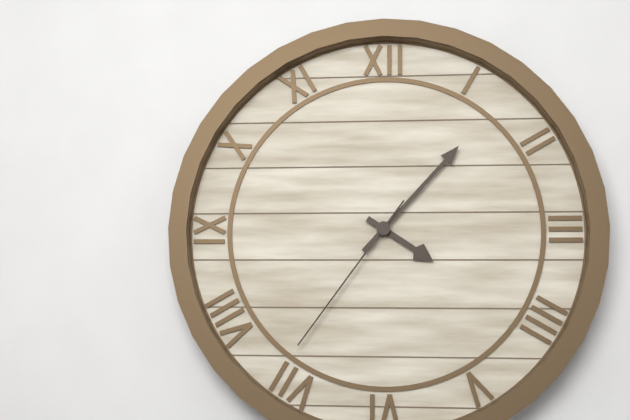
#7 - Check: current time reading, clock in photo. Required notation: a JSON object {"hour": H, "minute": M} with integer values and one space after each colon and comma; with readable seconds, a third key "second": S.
{"hour": 4, "minute": 7, "second": 36}
